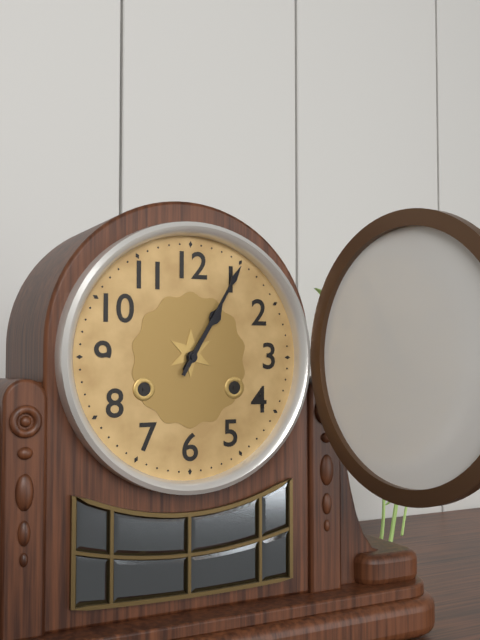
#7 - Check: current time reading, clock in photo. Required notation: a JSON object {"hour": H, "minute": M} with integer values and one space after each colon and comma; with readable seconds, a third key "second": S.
{"hour": 1, "minute": 5}
